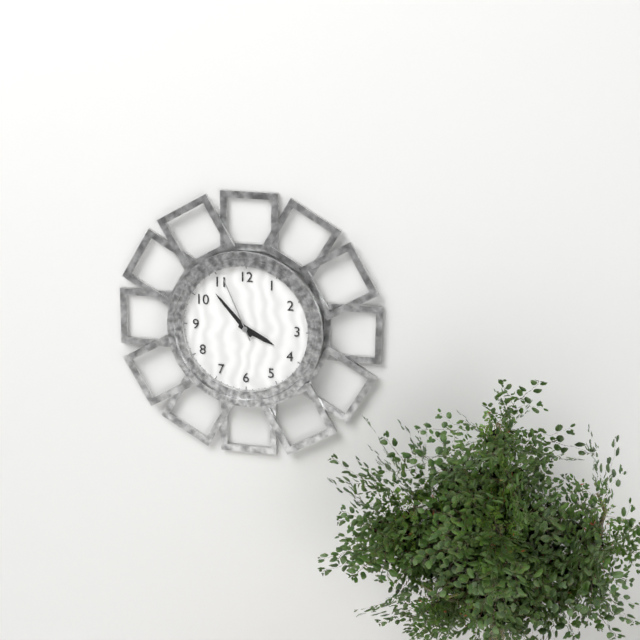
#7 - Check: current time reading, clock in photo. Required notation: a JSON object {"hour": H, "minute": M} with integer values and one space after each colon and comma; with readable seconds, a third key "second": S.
{"hour": 3, "minute": 53, "second": 56}
